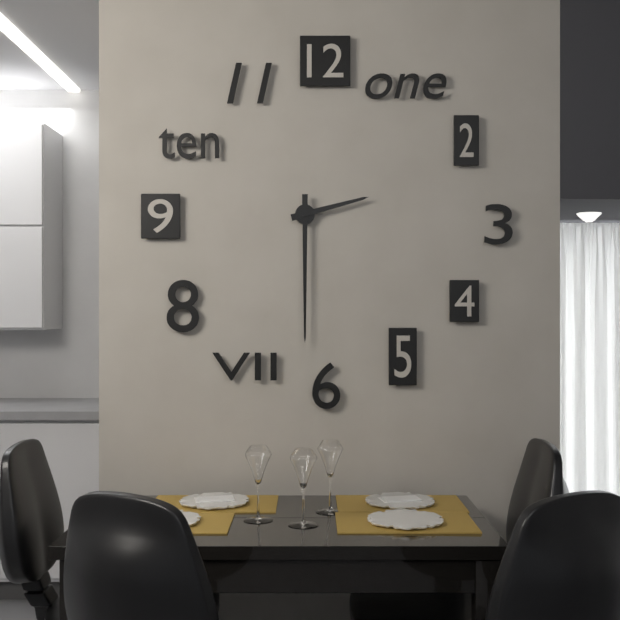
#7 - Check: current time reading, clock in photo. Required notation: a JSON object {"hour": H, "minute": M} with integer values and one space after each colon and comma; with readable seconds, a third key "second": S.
{"hour": 2, "minute": 30}
